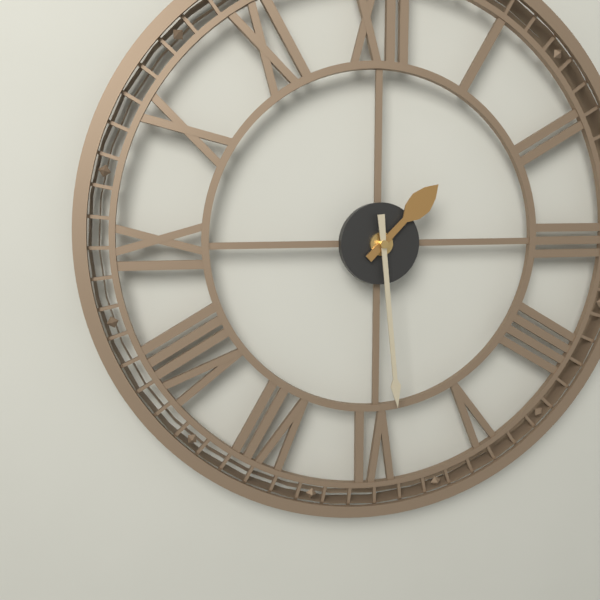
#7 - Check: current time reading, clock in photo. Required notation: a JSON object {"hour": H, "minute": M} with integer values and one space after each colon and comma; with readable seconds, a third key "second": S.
{"hour": 1, "minute": 29}
